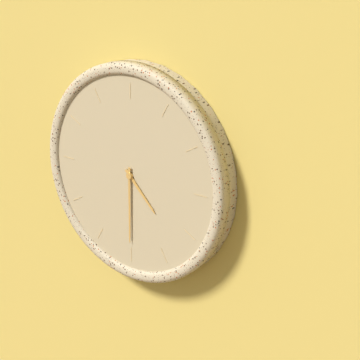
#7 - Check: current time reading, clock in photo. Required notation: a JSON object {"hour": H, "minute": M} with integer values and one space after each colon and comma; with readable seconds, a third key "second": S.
{"hour": 4, "minute": 30}
